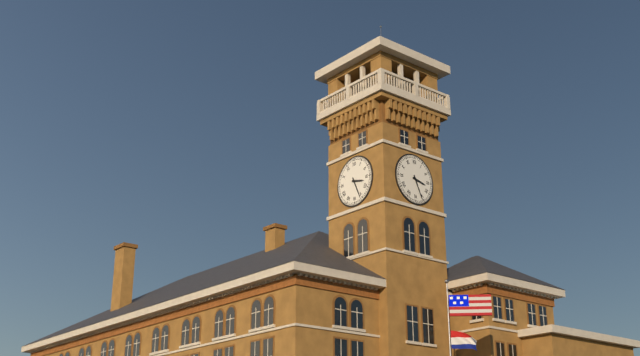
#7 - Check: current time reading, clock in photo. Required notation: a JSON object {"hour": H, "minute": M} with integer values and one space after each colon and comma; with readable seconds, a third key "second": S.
{"hour": 3, "minute": 26}
